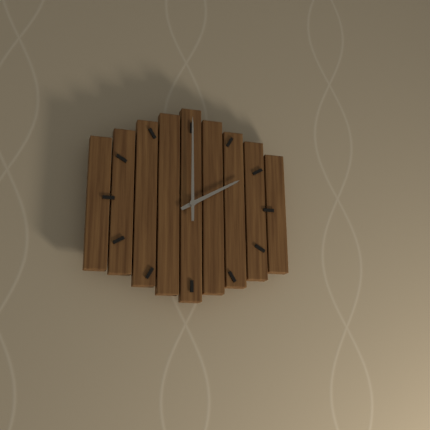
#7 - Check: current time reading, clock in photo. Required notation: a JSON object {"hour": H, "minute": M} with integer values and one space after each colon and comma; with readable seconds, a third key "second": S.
{"hour": 2, "minute": 0}
